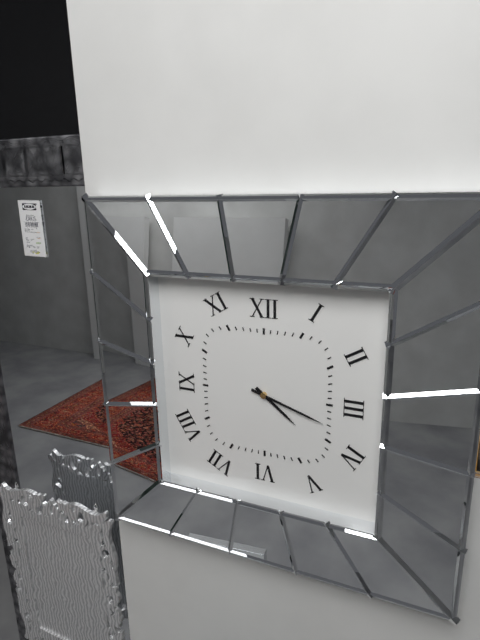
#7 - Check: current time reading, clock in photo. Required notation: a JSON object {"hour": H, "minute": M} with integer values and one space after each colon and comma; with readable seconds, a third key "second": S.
{"hour": 4, "minute": 18}
